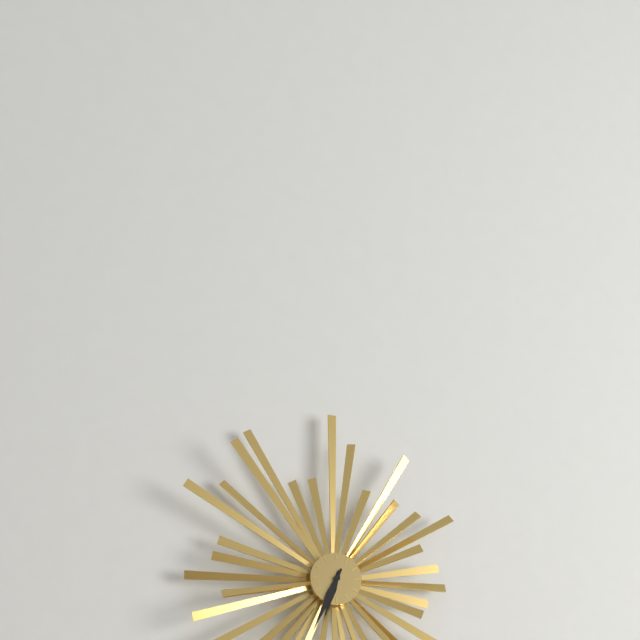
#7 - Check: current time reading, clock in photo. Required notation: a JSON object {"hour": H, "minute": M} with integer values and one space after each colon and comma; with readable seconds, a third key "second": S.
{"hour": 6, "minute": 34}
